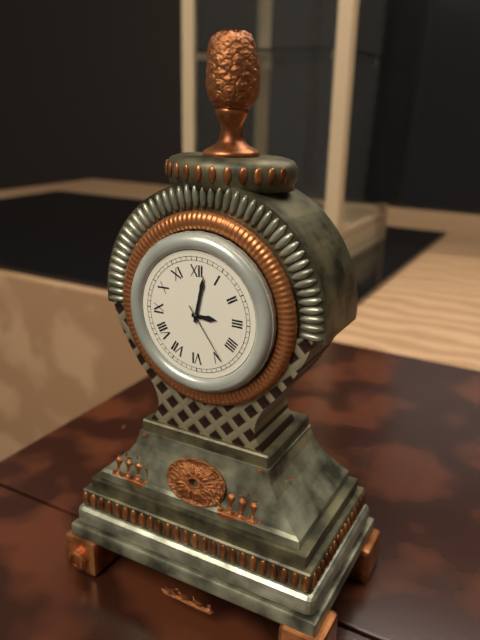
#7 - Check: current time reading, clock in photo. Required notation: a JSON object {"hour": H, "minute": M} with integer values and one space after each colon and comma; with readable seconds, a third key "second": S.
{"hour": 3, "minute": 2, "second": 24}
